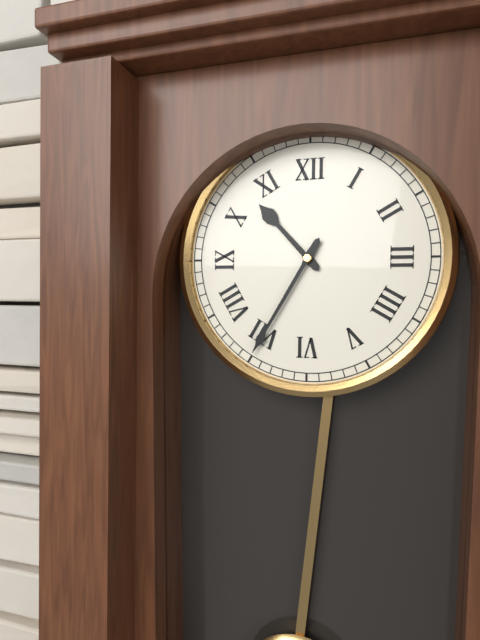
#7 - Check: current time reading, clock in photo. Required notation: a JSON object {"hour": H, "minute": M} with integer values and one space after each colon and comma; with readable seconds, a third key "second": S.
{"hour": 10, "minute": 35}
